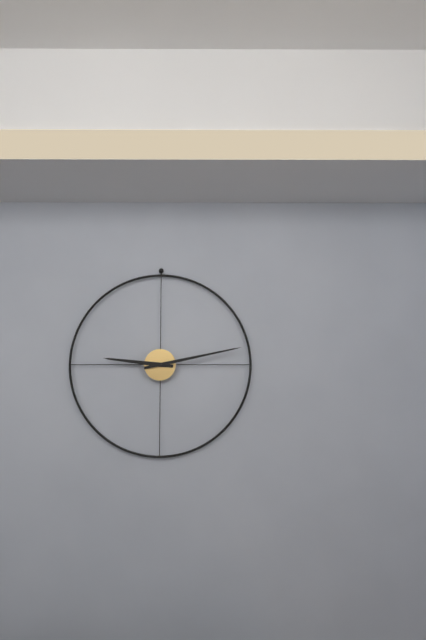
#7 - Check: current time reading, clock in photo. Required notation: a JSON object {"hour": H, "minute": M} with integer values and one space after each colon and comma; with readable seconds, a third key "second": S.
{"hour": 9, "minute": 13}
